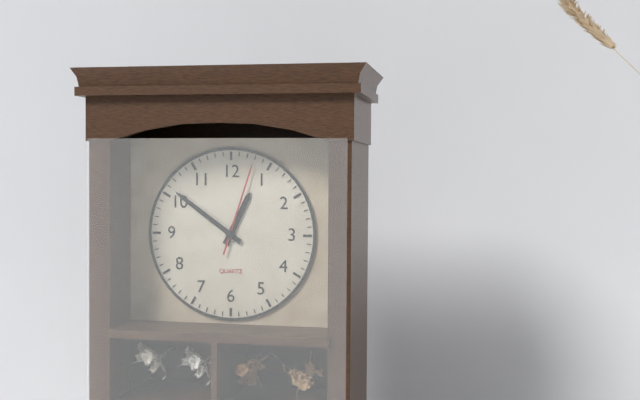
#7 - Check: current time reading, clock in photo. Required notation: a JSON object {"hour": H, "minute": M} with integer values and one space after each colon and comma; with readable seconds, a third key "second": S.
{"hour": 12, "minute": 51, "second": 3}
